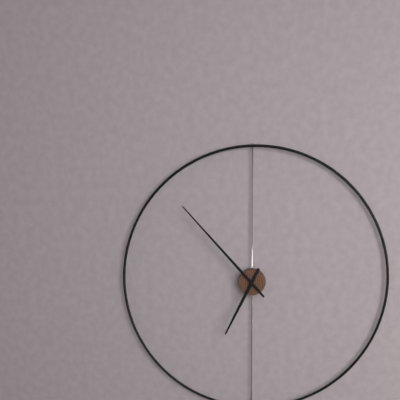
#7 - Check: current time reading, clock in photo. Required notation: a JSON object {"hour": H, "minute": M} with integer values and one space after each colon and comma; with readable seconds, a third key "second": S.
{"hour": 6, "minute": 53}
